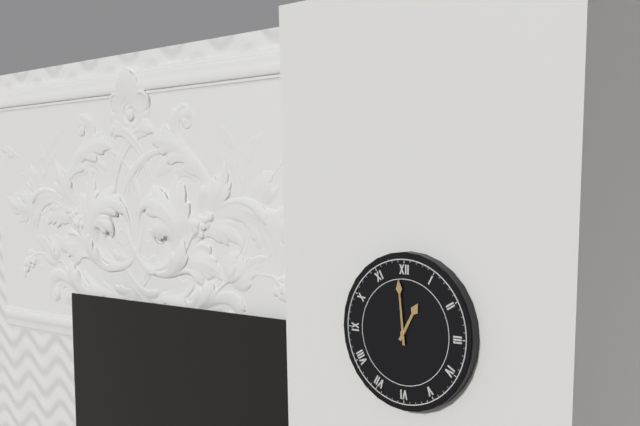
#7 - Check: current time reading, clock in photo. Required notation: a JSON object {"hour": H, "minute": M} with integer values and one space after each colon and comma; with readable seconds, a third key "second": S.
{"hour": 12, "minute": 59}
